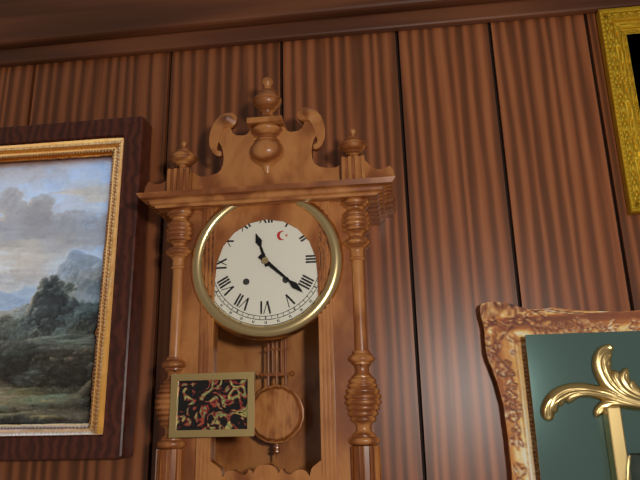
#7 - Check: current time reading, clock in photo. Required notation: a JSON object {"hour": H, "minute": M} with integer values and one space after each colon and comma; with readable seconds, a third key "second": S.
{"hour": 11, "minute": 22}
